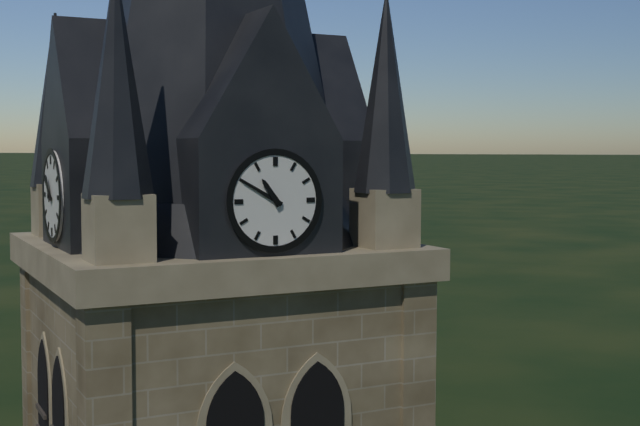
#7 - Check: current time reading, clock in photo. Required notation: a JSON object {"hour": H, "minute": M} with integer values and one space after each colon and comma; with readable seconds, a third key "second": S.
{"hour": 10, "minute": 50}
